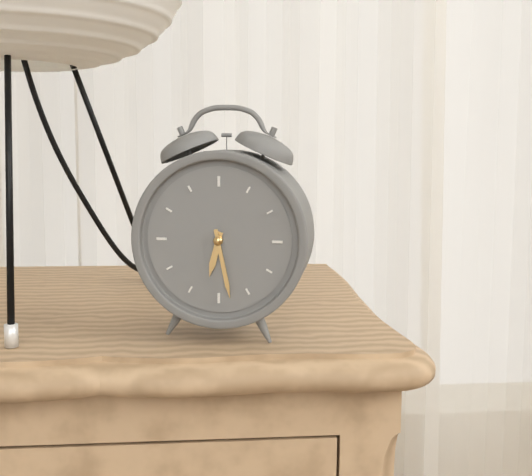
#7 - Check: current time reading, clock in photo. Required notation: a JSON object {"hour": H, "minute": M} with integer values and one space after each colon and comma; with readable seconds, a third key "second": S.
{"hour": 6, "minute": 28}
